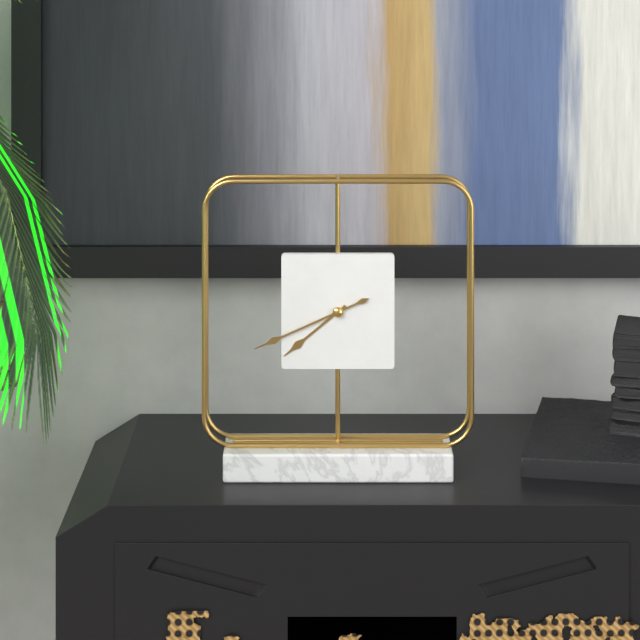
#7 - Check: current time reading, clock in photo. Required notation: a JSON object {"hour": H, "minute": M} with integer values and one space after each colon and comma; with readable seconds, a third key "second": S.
{"hour": 7, "minute": 41}
